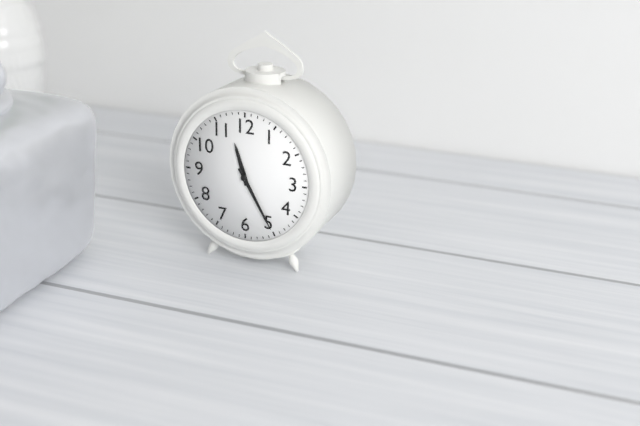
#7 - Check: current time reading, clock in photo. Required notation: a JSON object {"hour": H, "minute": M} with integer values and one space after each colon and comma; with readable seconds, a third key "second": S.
{"hour": 11, "minute": 25}
